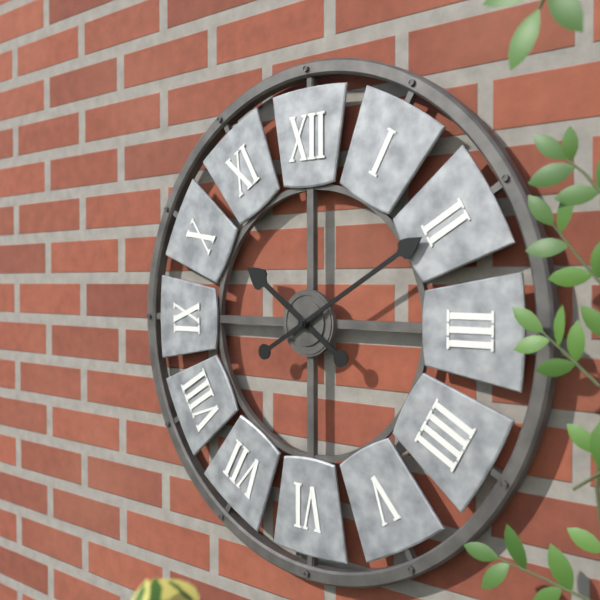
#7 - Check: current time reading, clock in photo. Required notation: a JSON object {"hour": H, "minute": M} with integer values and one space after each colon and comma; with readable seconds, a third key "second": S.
{"hour": 10, "minute": 10}
